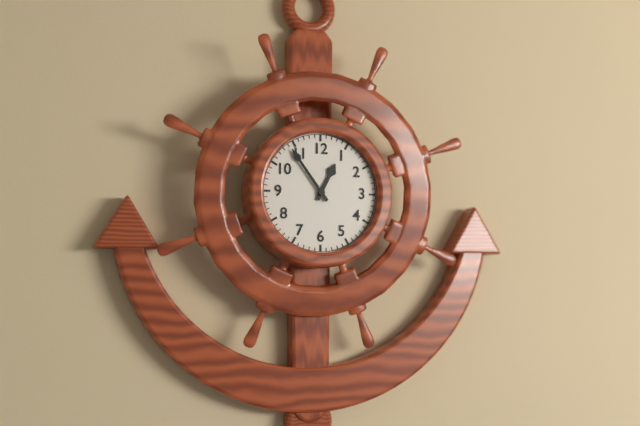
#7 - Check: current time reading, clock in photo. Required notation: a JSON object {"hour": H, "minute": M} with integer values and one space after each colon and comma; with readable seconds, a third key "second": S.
{"hour": 12, "minute": 54}
